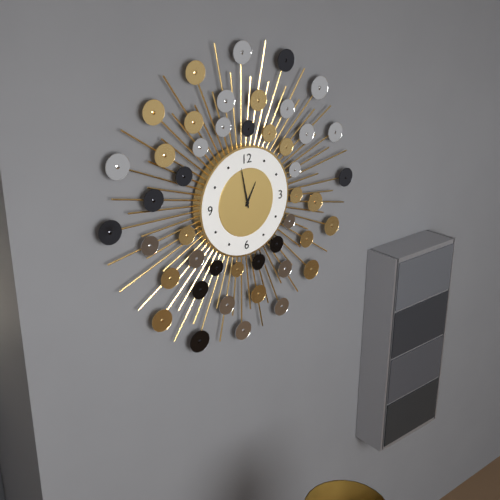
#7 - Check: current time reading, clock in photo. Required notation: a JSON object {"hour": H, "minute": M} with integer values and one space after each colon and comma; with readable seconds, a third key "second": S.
{"hour": 12, "minute": 58}
